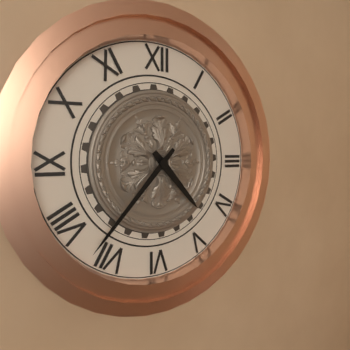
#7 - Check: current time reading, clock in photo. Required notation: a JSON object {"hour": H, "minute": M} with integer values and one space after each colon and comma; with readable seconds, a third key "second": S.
{"hour": 4, "minute": 37}
